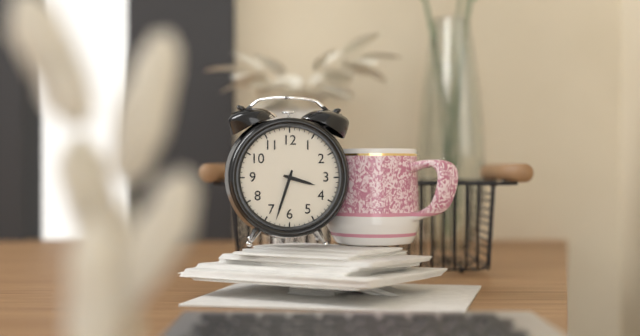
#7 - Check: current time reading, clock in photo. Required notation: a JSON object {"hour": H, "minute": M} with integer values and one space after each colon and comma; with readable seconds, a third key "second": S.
{"hour": 3, "minute": 33}
